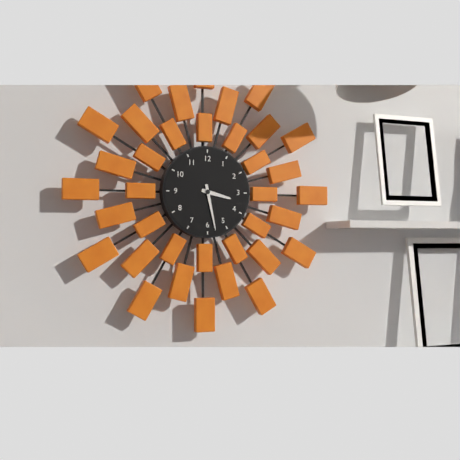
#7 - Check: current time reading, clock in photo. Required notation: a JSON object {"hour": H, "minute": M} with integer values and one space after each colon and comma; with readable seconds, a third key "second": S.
{"hour": 3, "minute": 28}
